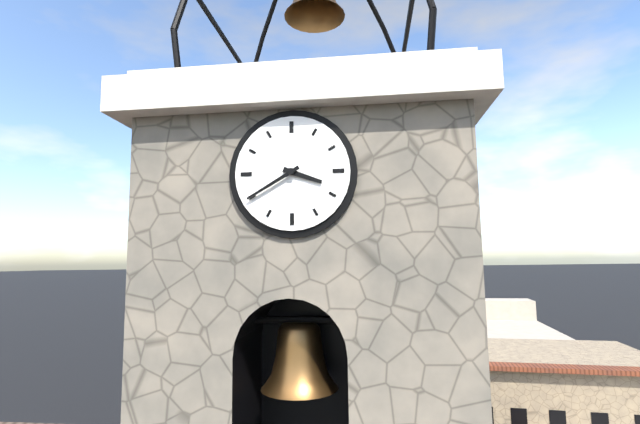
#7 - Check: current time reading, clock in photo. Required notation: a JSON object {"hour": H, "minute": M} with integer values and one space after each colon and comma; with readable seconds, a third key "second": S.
{"hour": 3, "minute": 40}
